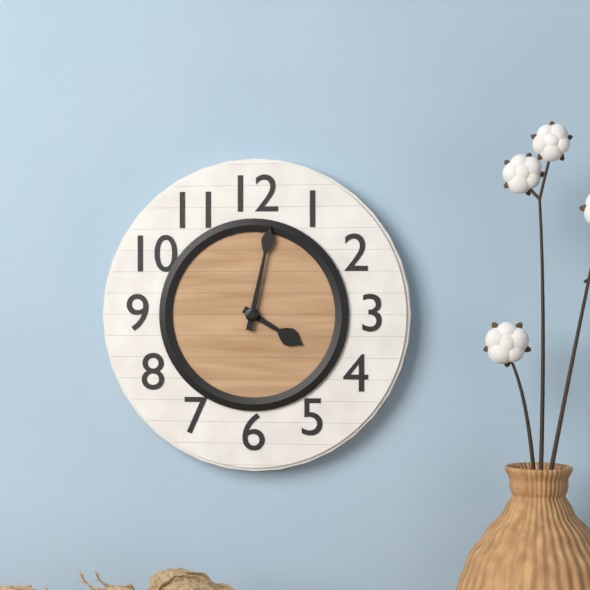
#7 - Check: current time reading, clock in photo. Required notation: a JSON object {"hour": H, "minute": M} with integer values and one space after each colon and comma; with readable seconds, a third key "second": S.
{"hour": 4, "minute": 2}
